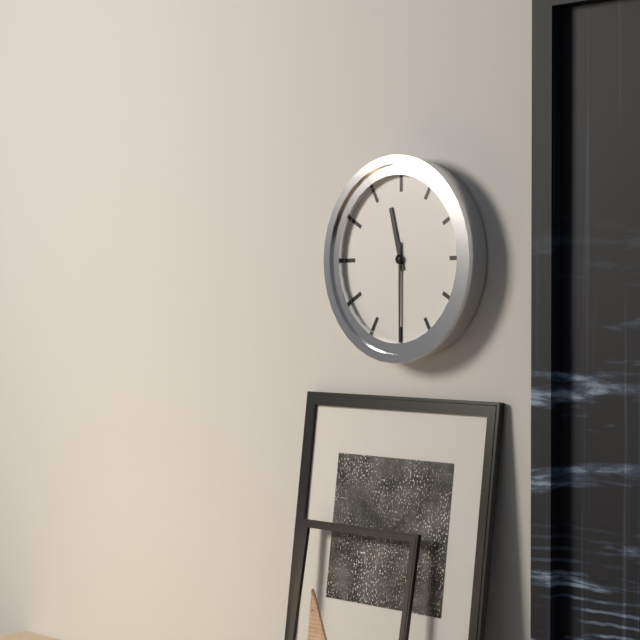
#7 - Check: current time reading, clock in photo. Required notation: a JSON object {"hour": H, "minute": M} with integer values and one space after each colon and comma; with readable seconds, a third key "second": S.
{"hour": 11, "minute": 30}
